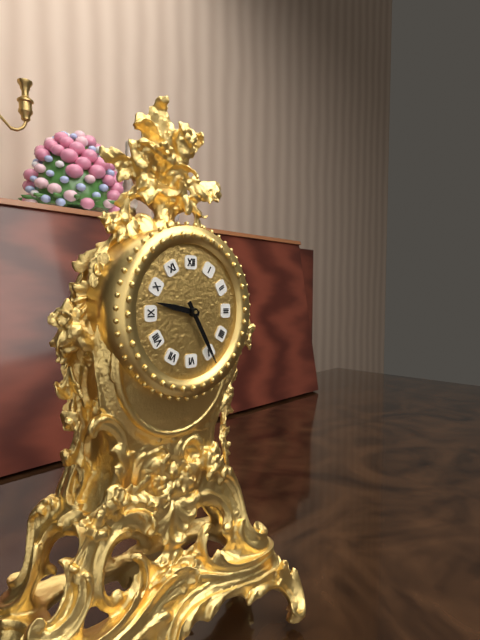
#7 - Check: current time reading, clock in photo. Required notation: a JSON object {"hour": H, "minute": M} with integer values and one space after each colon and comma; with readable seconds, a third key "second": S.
{"hour": 9, "minute": 25}
